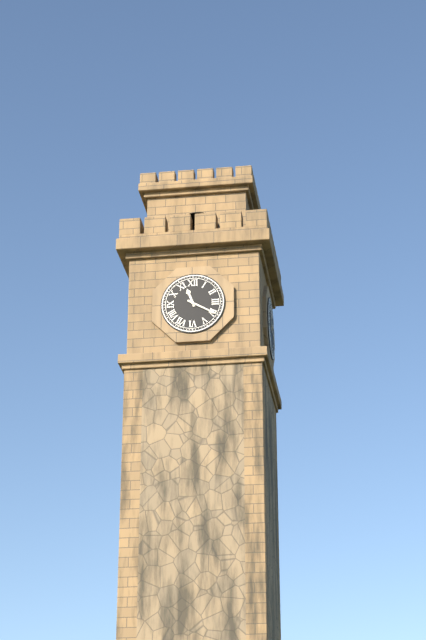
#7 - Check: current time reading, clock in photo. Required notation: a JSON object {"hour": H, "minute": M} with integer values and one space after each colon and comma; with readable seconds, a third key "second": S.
{"hour": 11, "minute": 20}
